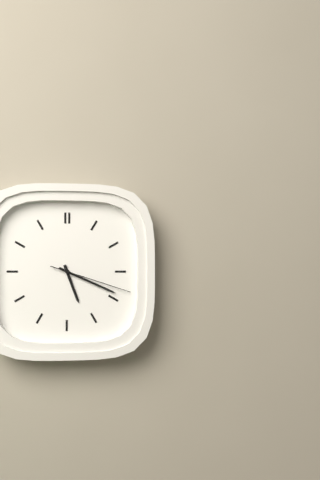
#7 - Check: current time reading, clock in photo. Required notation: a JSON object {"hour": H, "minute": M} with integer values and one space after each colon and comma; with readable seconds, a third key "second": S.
{"hour": 5, "minute": 19, "second": 18}
